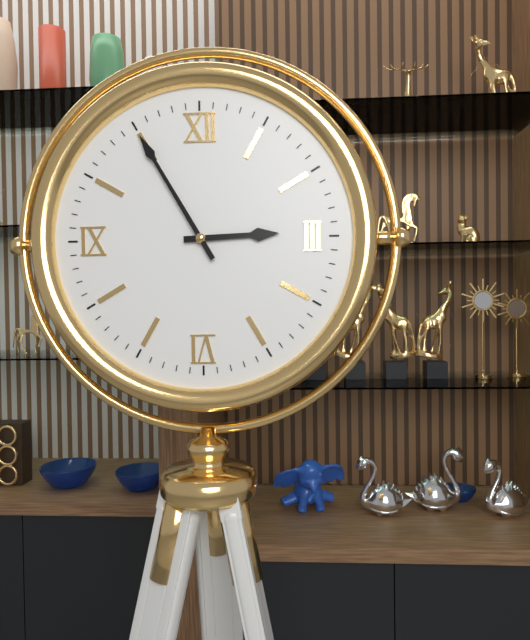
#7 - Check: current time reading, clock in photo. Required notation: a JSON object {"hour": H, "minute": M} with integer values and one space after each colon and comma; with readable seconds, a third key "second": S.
{"hour": 2, "minute": 55}
